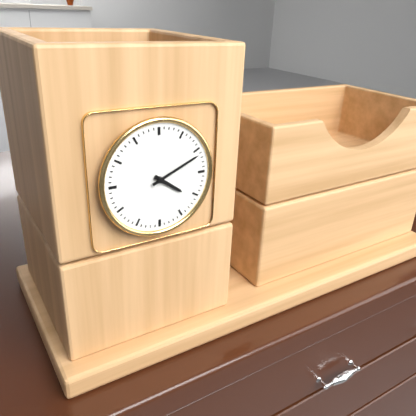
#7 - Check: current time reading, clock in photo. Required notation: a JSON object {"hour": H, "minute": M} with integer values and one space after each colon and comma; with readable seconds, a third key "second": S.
{"hour": 4, "minute": 11}
